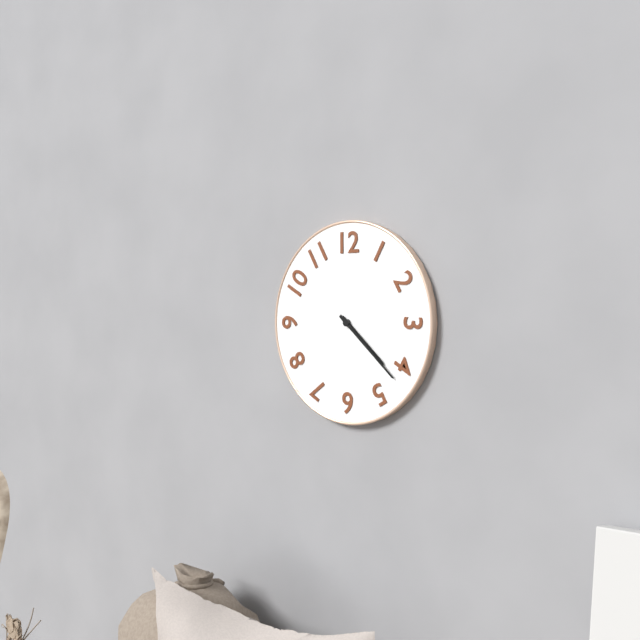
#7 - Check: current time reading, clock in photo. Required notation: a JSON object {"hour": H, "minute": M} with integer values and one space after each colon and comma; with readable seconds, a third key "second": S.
{"hour": 4, "minute": 22}
